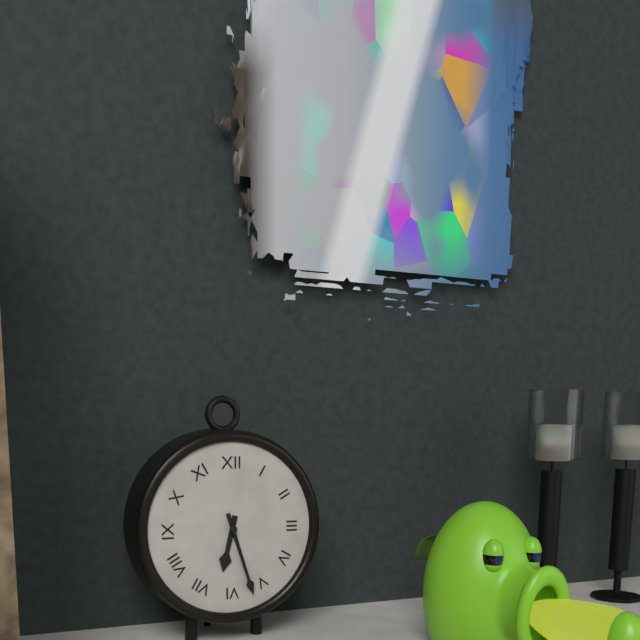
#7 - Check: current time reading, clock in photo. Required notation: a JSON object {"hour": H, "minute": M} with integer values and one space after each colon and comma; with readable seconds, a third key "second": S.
{"hour": 6, "minute": 27}
